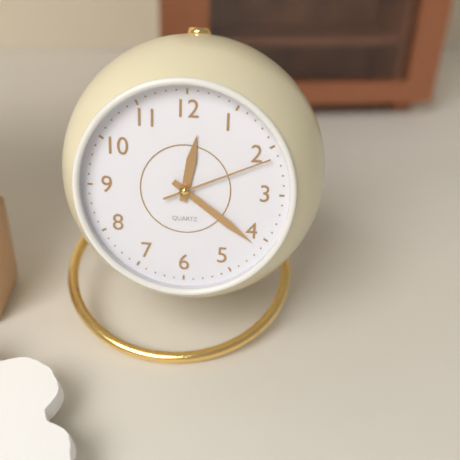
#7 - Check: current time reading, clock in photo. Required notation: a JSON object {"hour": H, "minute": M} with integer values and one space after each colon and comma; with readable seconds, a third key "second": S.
{"hour": 12, "minute": 21, "second": 11}
